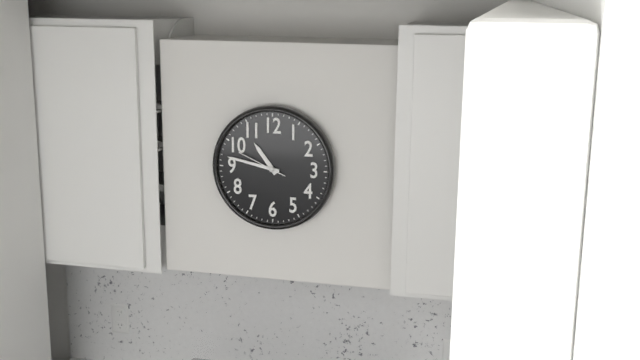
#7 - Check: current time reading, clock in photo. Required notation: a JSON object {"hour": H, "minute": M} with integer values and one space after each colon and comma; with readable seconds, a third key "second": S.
{"hour": 10, "minute": 47}
